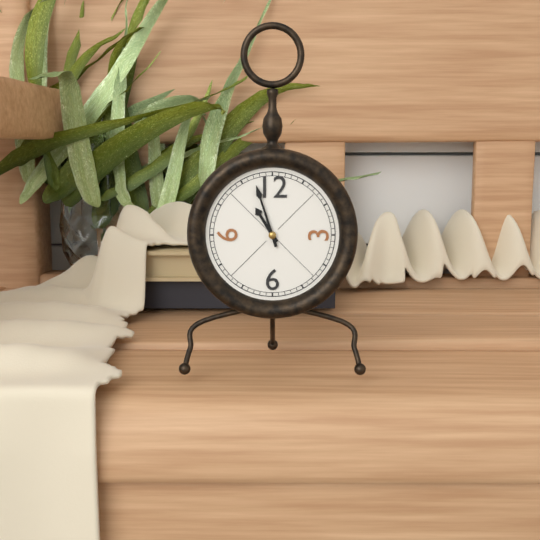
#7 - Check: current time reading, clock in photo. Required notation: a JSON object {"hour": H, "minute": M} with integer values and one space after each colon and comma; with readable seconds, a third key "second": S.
{"hour": 10, "minute": 57}
